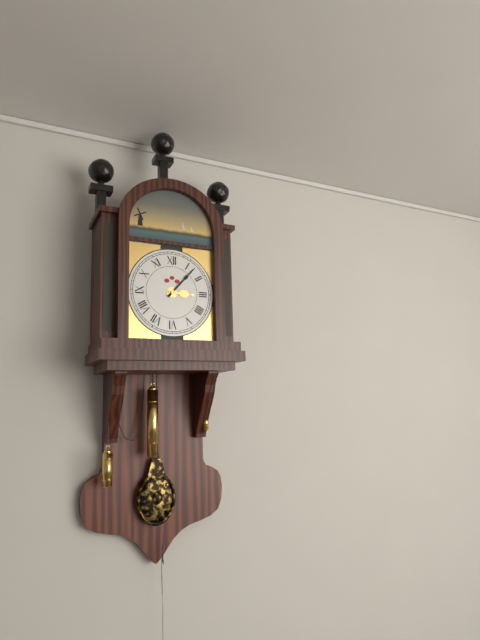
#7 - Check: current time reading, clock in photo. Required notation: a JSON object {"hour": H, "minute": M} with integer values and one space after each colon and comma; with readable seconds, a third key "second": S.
{"hour": 3, "minute": 7}
